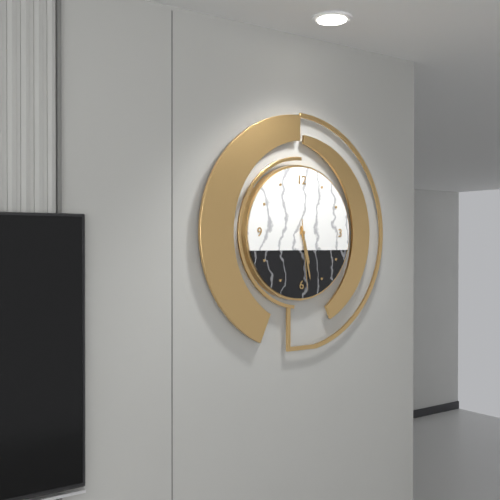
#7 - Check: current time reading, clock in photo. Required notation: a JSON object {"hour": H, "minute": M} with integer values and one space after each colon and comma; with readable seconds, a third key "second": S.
{"hour": 5, "minute": 28, "second": 29}
